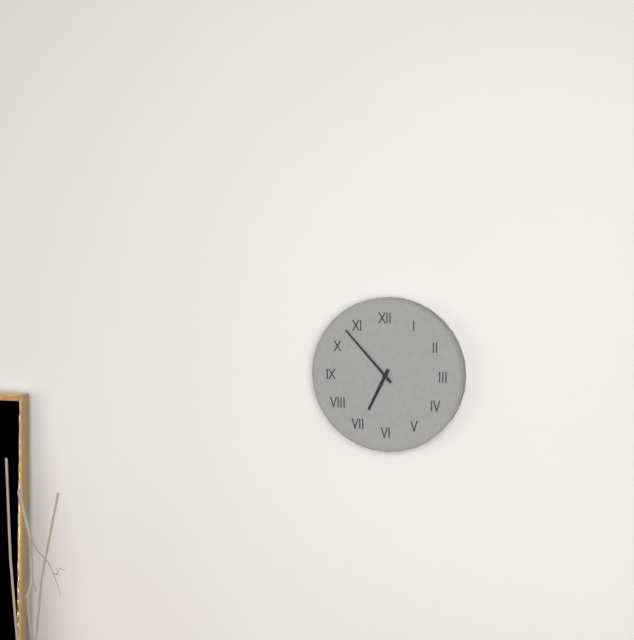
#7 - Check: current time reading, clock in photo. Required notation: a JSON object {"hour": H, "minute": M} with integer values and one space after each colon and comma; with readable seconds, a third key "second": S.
{"hour": 6, "minute": 53}
